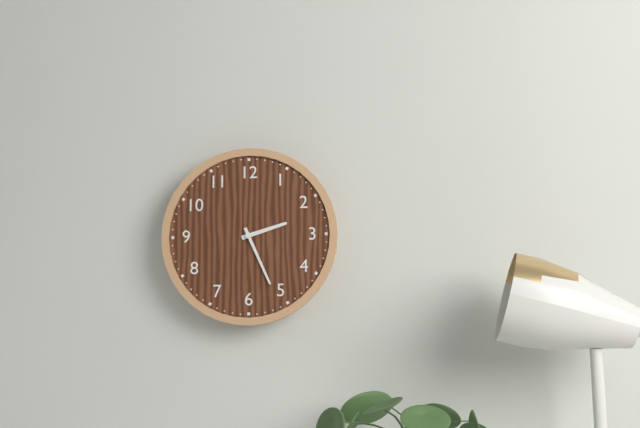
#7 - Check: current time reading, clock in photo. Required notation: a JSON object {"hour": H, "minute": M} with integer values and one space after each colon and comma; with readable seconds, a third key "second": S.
{"hour": 2, "minute": 26}
